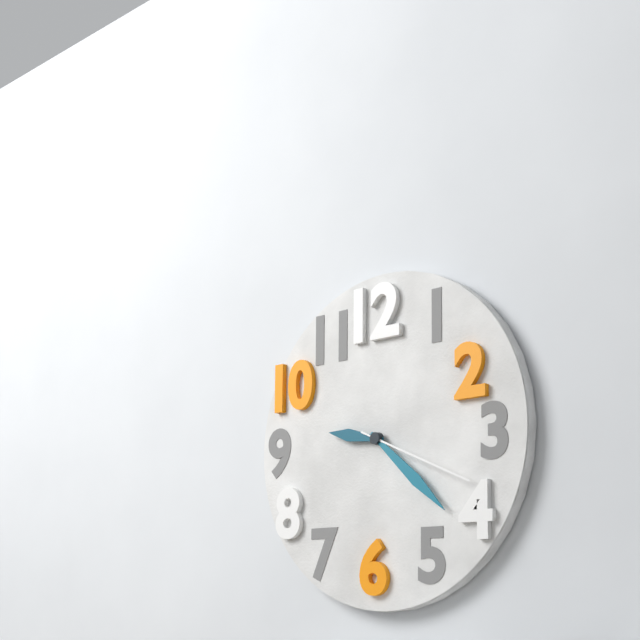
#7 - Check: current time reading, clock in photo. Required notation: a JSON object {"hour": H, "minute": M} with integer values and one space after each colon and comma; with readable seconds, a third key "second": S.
{"hour": 9, "minute": 22, "second": 19}
